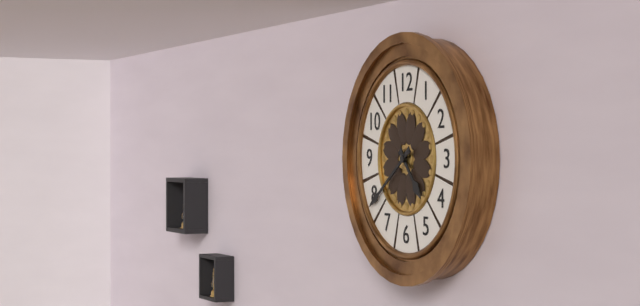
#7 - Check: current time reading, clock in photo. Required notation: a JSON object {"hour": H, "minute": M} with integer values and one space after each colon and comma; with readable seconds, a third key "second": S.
{"hour": 4, "minute": 39}
